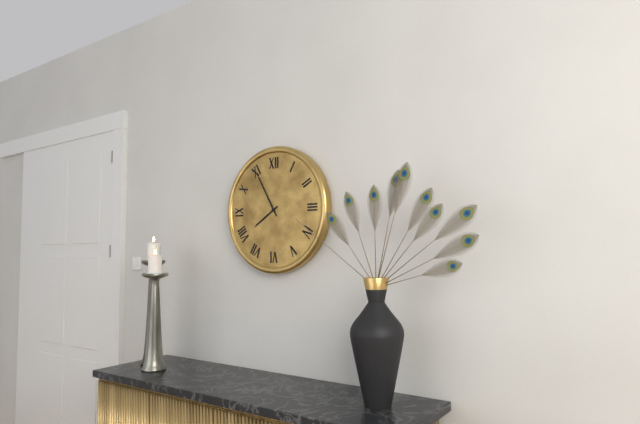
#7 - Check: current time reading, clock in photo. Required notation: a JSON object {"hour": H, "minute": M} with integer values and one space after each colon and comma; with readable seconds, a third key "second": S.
{"hour": 7, "minute": 55}
